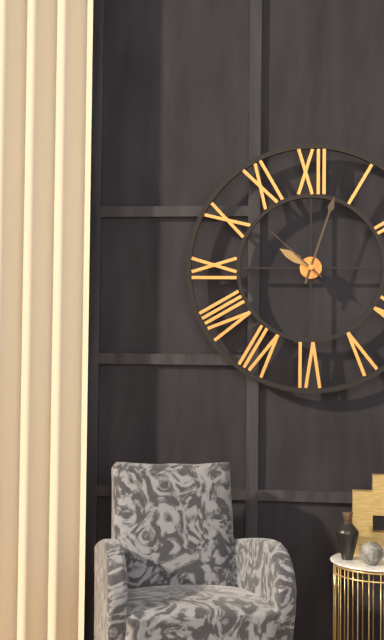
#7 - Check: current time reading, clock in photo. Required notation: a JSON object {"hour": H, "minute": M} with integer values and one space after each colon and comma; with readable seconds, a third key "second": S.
{"hour": 10, "minute": 3, "second": 52}
